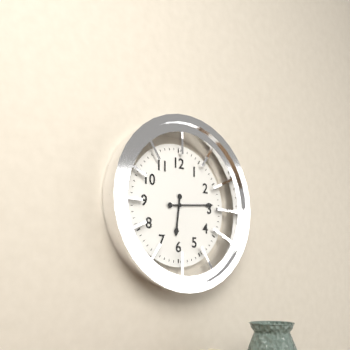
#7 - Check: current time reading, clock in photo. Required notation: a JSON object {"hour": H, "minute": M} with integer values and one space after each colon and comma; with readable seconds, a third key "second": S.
{"hour": 6, "minute": 14}
